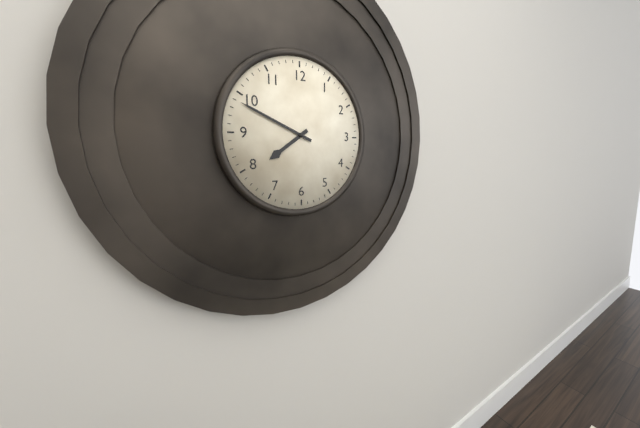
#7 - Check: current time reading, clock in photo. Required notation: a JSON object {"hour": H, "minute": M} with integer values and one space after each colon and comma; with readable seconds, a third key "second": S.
{"hour": 7, "minute": 49}
